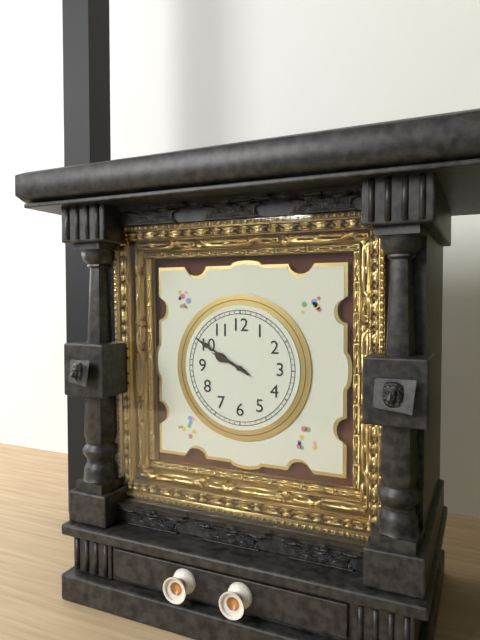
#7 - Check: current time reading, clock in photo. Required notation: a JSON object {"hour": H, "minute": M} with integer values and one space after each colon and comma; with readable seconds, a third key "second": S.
{"hour": 9, "minute": 50}
